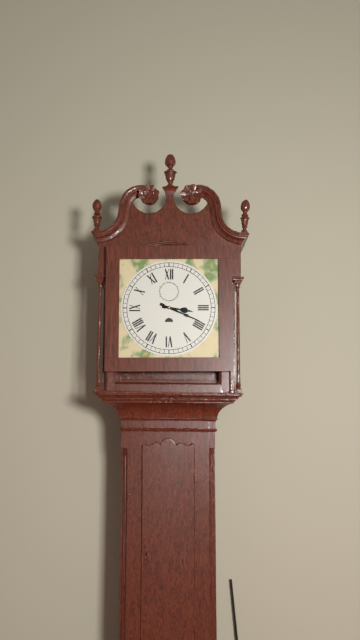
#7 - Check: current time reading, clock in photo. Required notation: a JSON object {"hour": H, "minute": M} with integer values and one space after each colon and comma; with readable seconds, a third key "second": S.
{"hour": 3, "minute": 19}
